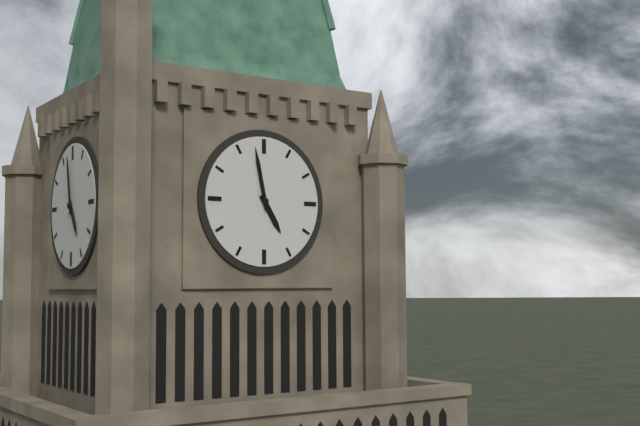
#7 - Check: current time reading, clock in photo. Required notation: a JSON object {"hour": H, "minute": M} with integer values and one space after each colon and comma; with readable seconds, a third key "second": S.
{"hour": 4, "minute": 58}
